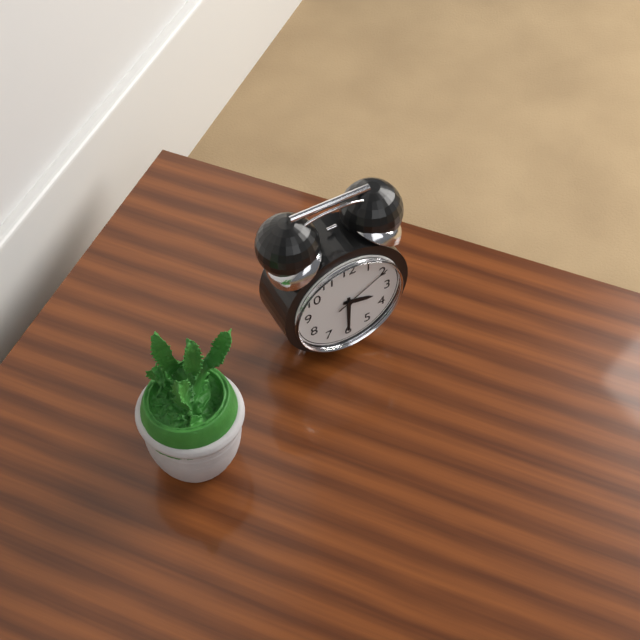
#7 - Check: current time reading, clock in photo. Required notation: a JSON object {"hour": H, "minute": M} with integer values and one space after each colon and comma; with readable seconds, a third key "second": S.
{"hour": 3, "minute": 30, "second": 10}
